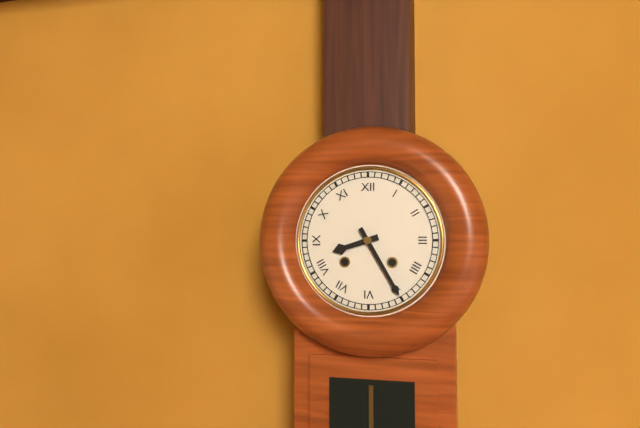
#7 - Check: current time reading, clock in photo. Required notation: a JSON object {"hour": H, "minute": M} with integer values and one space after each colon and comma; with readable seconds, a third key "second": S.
{"hour": 8, "minute": 25}
